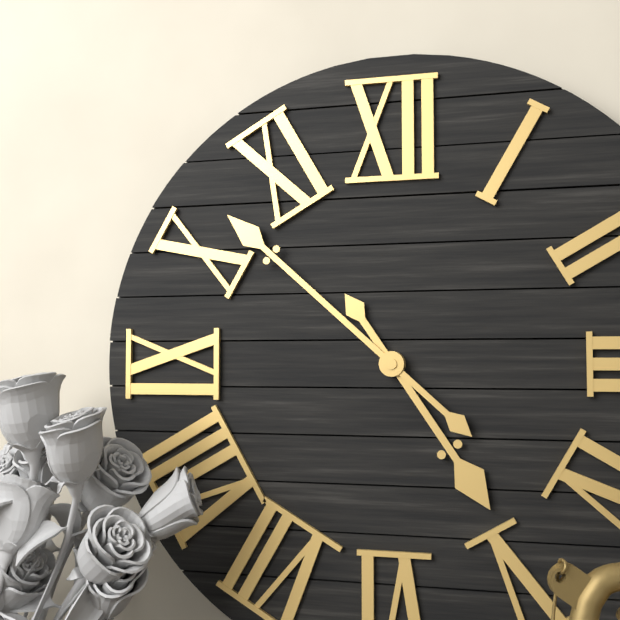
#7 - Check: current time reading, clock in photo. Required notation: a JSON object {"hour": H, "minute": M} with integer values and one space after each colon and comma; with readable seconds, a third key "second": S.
{"hour": 4, "minute": 52}
